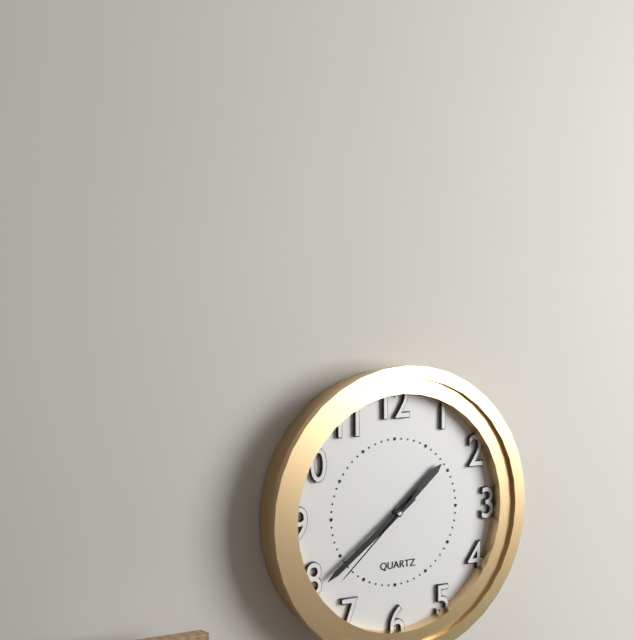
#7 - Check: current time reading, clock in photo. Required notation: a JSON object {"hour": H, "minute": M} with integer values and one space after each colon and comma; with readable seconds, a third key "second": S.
{"hour": 1, "minute": 39, "second": 38}
